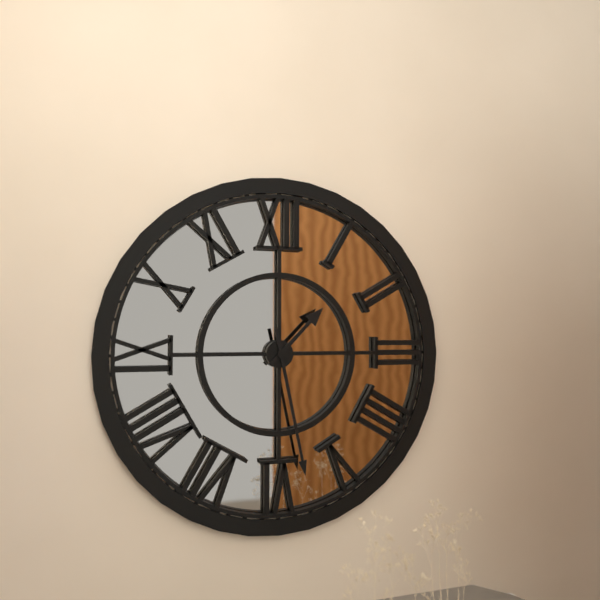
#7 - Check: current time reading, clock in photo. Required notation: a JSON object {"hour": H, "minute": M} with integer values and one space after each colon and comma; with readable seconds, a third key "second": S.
{"hour": 1, "minute": 28}
